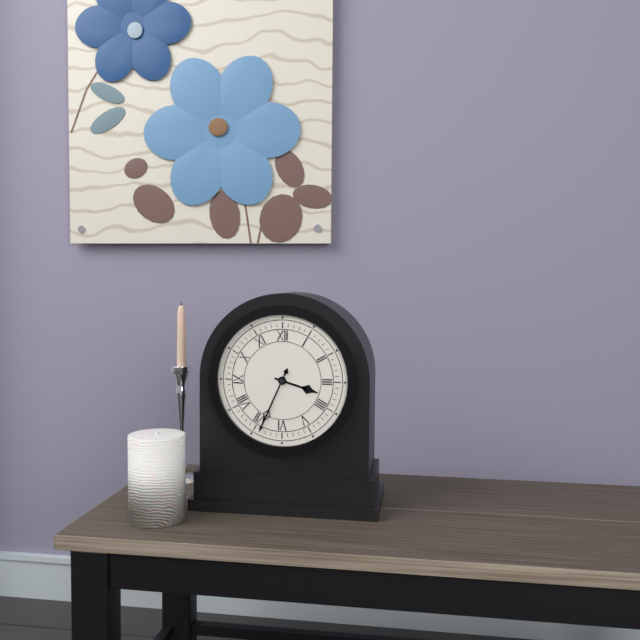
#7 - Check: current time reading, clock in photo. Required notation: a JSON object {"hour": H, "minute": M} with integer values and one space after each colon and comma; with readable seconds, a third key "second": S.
{"hour": 3, "minute": 34}
